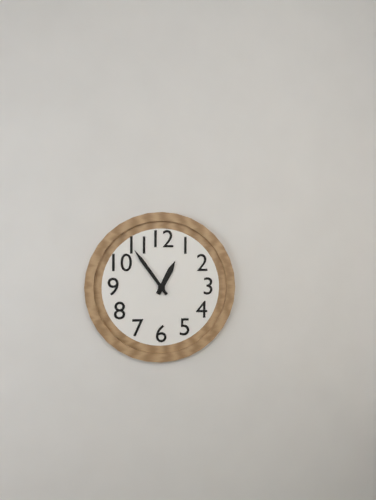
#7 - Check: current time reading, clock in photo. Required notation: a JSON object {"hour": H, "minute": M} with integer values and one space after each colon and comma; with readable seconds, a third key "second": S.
{"hour": 12, "minute": 54}
